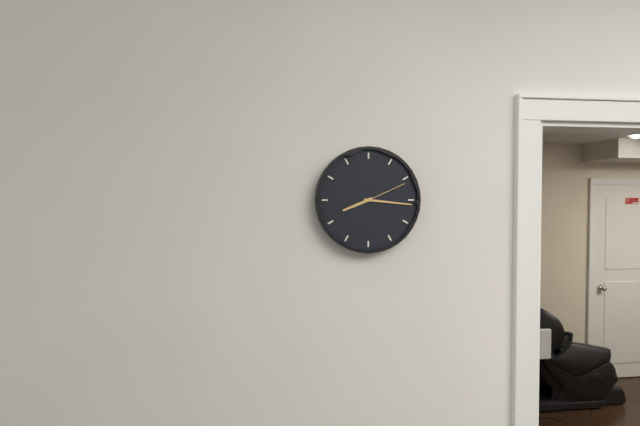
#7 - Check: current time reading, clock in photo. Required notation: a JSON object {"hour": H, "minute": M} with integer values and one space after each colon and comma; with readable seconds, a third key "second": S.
{"hour": 8, "minute": 16, "second": 11}
